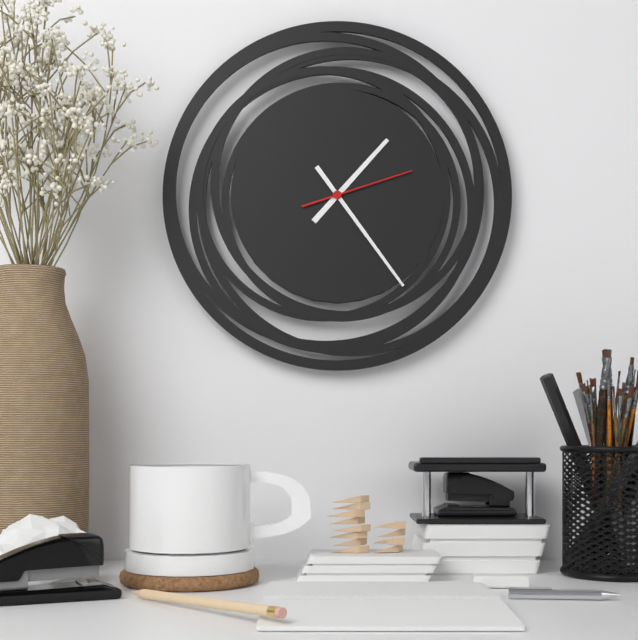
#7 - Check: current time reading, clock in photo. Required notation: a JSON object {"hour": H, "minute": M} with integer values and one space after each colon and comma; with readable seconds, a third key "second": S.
{"hour": 1, "minute": 24, "second": 12}
